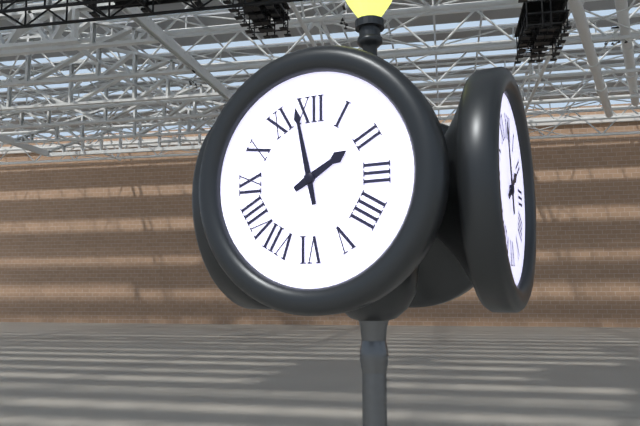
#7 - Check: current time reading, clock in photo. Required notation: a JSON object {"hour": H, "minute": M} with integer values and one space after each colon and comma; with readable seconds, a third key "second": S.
{"hour": 1, "minute": 58}
